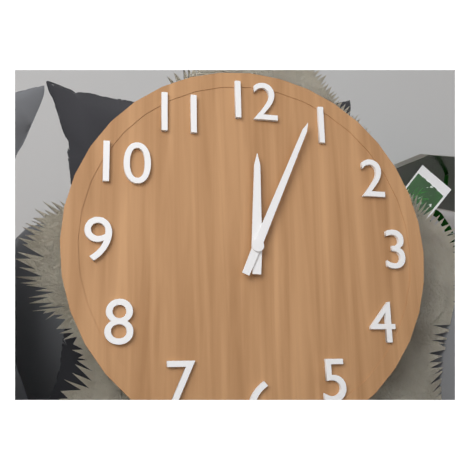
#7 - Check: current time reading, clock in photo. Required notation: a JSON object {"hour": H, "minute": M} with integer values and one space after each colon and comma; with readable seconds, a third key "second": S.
{"hour": 12, "minute": 4}
